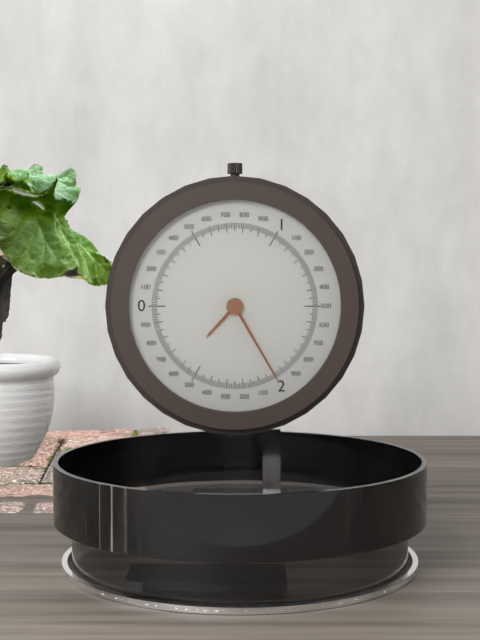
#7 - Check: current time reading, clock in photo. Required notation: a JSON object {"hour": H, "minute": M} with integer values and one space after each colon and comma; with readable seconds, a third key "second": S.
{"hour": 7, "minute": 25}
